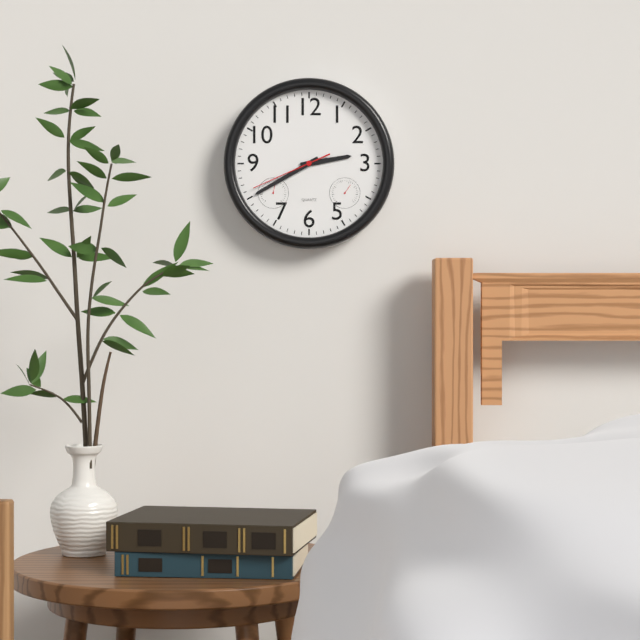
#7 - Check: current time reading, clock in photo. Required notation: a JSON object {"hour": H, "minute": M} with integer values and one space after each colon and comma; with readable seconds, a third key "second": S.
{"hour": 2, "minute": 40, "second": 41}
